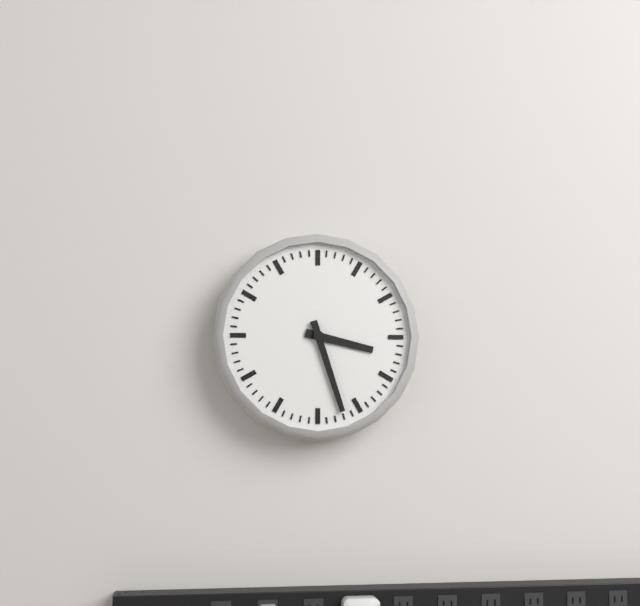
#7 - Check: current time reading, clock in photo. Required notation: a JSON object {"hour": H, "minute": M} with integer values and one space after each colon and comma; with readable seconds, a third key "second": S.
{"hour": 3, "minute": 27}
